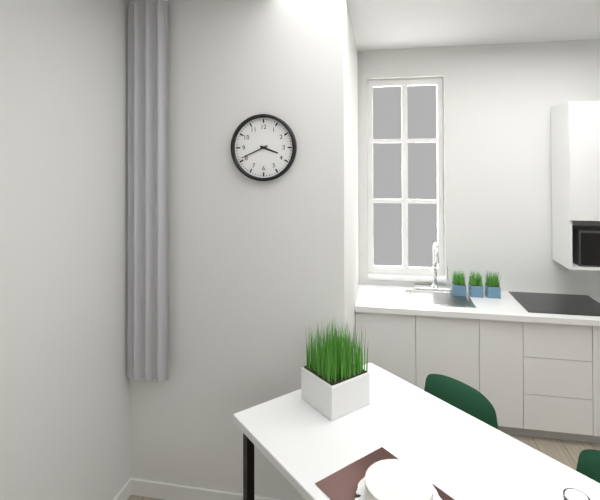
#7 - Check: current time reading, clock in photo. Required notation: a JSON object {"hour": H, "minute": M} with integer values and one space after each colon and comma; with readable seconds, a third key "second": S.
{"hour": 3, "minute": 41}
